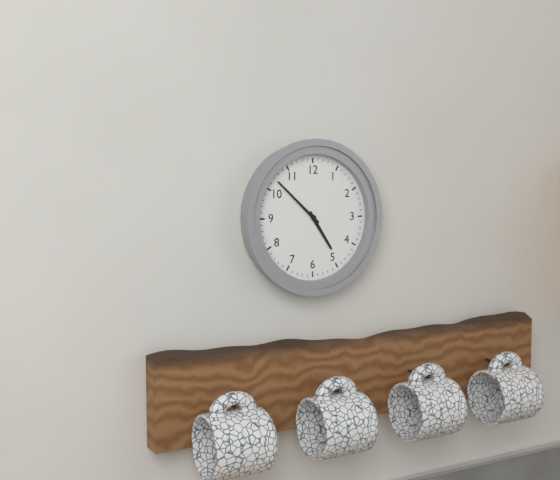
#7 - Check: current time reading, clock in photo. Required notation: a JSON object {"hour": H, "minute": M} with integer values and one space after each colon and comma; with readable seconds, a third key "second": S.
{"hour": 4, "minute": 52}
